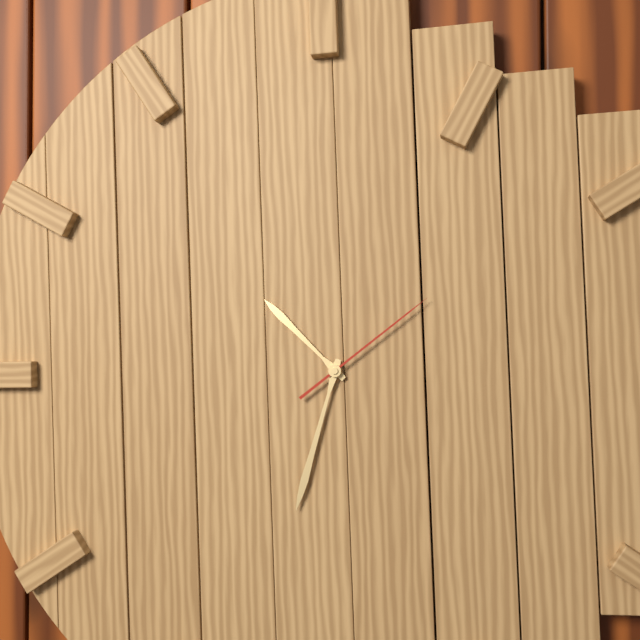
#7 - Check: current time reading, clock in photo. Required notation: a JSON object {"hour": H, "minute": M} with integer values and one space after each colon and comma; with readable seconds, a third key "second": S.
{"hour": 10, "minute": 33, "second": 9}
